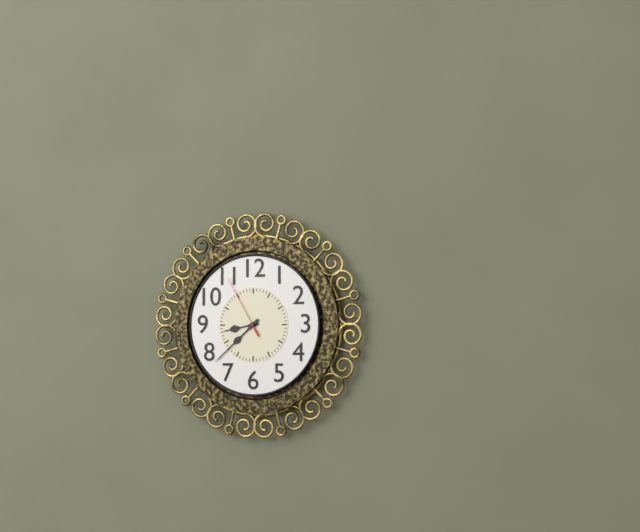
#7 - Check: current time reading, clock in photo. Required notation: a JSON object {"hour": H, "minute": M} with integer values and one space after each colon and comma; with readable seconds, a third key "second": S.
{"hour": 8, "minute": 38, "second": 55}
